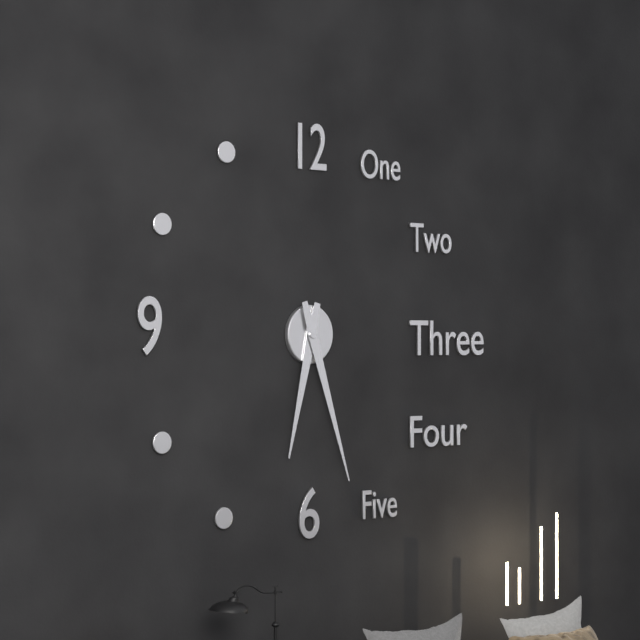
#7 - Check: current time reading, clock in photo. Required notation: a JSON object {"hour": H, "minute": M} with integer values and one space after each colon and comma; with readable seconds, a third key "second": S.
{"hour": 6, "minute": 27}
